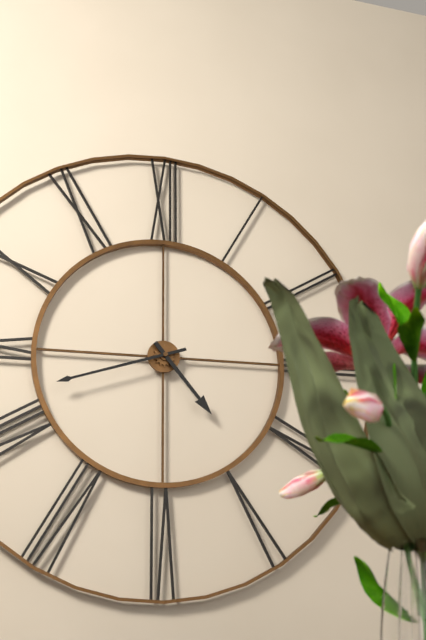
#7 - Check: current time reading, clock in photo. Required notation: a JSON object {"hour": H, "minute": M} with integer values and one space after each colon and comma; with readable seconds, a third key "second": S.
{"hour": 4, "minute": 42}
